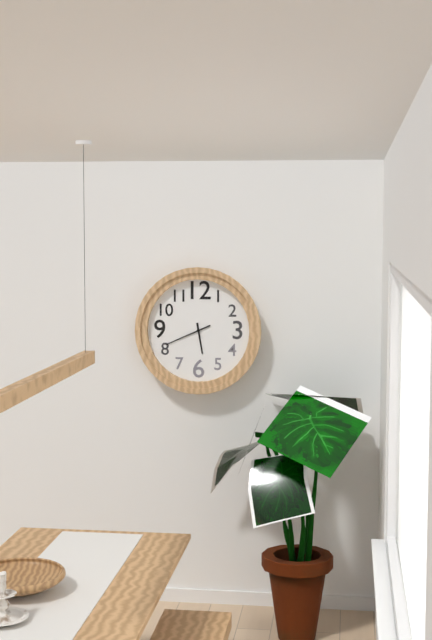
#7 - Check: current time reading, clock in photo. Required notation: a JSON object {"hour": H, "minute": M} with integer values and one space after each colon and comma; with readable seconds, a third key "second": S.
{"hour": 5, "minute": 41}
